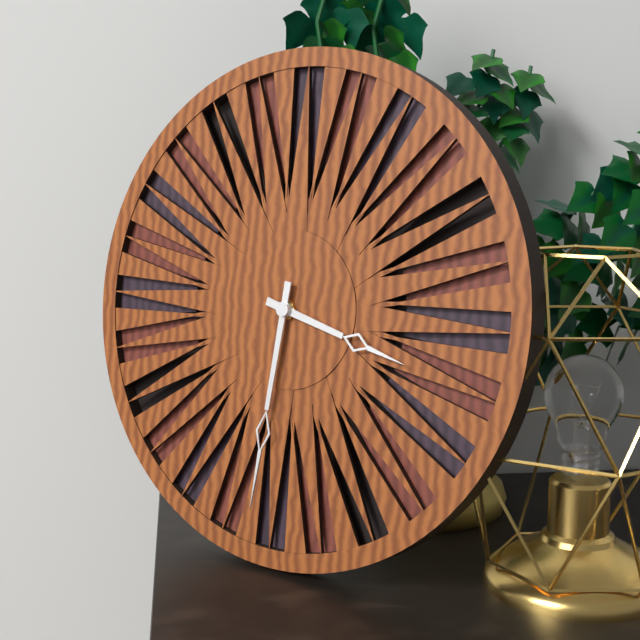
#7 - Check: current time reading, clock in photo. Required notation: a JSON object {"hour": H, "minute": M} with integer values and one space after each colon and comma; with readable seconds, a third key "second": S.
{"hour": 3, "minute": 31}
